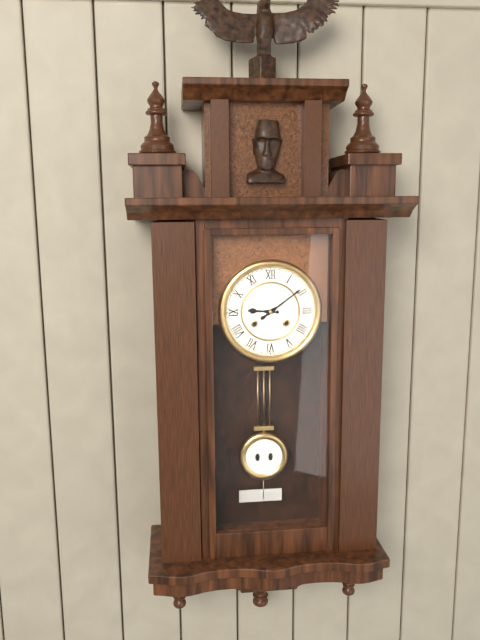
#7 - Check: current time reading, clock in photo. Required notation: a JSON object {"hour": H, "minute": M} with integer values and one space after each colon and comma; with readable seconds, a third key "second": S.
{"hour": 9, "minute": 9}
